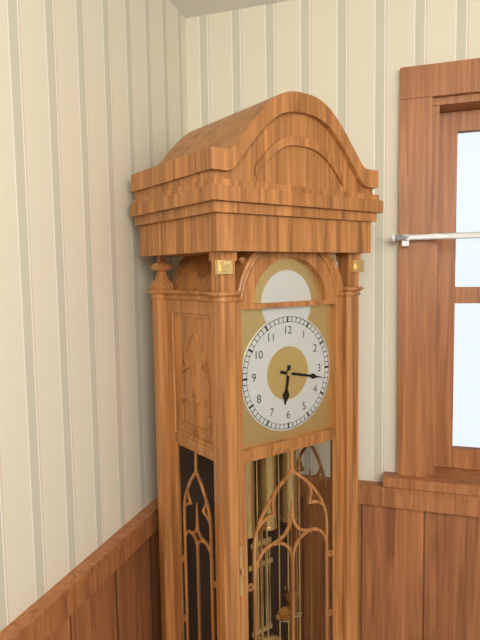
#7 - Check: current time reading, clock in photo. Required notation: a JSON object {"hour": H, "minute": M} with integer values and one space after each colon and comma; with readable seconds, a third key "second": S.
{"hour": 6, "minute": 17}
